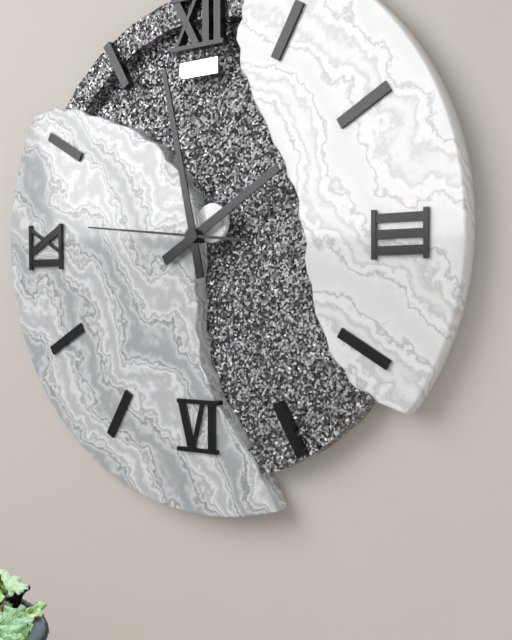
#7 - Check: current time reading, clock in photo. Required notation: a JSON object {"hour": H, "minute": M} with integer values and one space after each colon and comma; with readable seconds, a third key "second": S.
{"hour": 1, "minute": 58, "second": 46}
